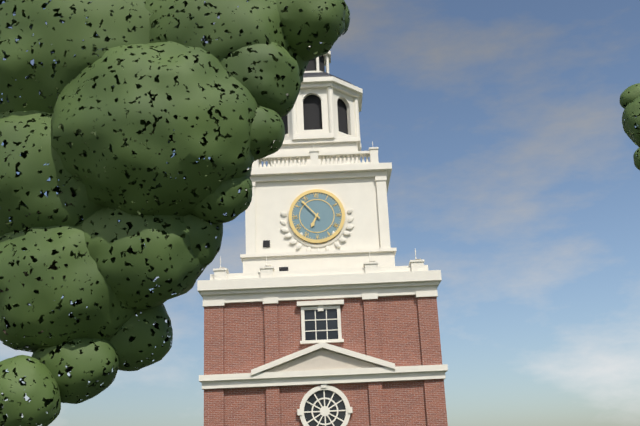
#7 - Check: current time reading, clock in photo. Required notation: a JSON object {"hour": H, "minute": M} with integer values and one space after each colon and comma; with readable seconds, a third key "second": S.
{"hour": 6, "minute": 53}
